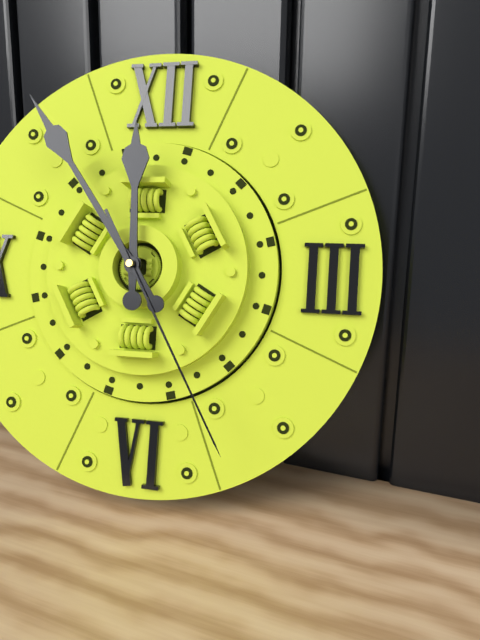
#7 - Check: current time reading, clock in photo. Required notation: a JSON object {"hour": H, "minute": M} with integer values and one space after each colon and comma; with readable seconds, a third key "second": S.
{"hour": 11, "minute": 54, "second": 25}
